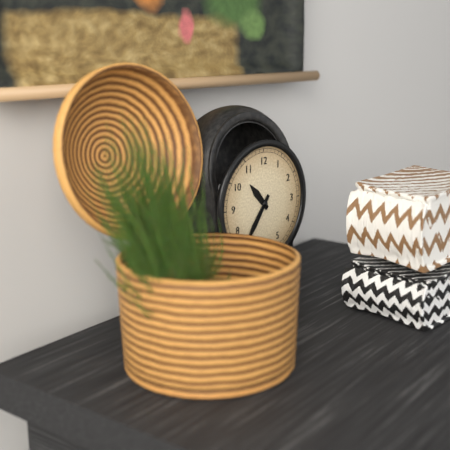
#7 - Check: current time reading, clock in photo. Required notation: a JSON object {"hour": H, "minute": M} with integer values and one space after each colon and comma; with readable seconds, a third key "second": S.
{"hour": 10, "minute": 36}
